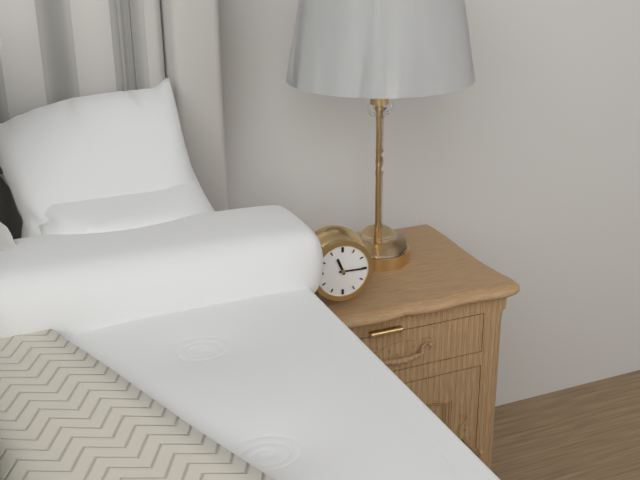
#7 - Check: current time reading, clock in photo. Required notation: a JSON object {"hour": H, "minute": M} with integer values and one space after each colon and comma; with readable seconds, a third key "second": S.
{"hour": 11, "minute": 15}
